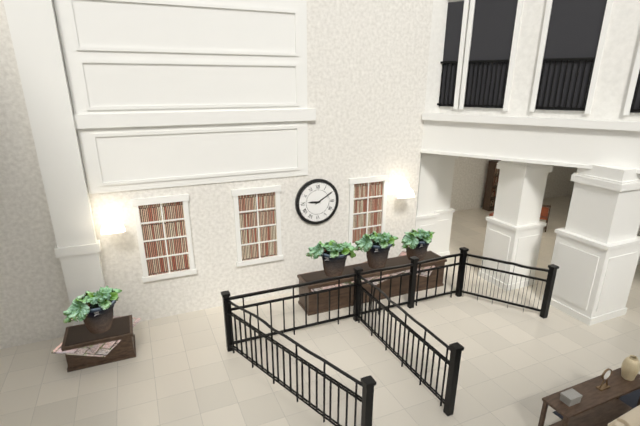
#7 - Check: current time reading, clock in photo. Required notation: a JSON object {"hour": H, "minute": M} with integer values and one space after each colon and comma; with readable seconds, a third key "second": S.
{"hour": 9, "minute": 10}
